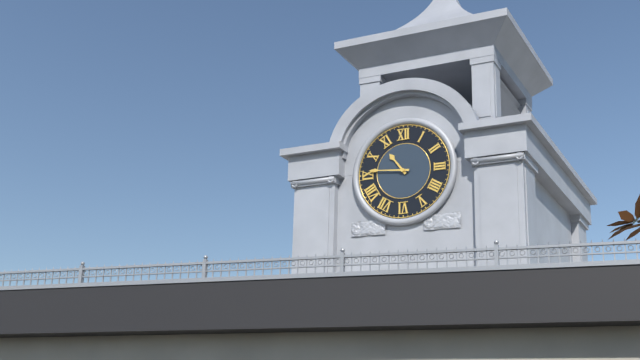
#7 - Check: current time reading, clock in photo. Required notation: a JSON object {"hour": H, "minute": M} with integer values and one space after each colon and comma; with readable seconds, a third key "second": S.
{"hour": 10, "minute": 46}
